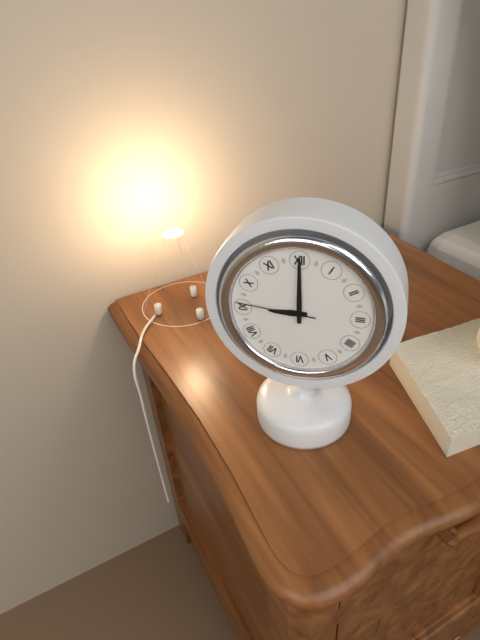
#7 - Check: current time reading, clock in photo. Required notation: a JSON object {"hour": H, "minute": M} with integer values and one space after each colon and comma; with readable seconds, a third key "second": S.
{"hour": 9, "minute": 0, "second": 46}
